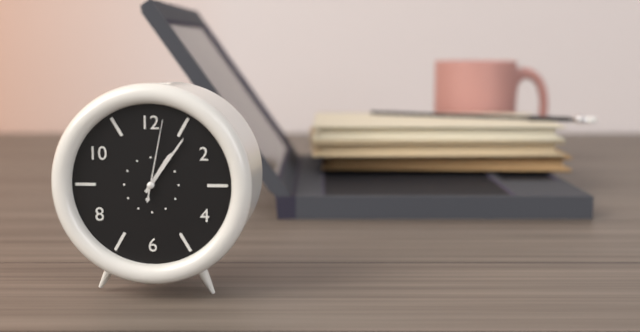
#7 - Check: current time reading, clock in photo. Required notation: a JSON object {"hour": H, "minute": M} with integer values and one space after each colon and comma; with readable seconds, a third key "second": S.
{"hour": 1, "minute": 6, "second": 2}
